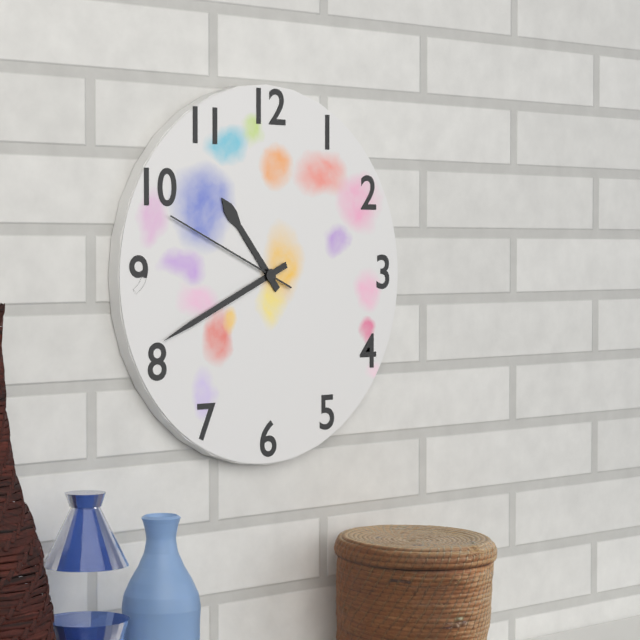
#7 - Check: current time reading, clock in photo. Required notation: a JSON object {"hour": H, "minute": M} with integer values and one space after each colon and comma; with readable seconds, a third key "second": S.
{"hour": 10, "minute": 41, "second": 49}
